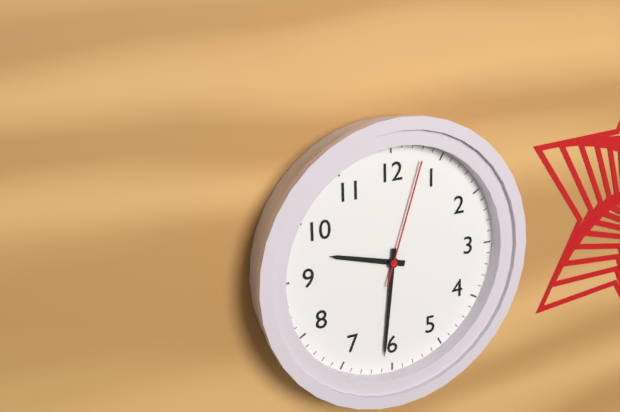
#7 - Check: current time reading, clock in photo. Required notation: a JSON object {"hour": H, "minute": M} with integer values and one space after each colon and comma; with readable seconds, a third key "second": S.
{"hour": 9, "minute": 31, "second": 3}
